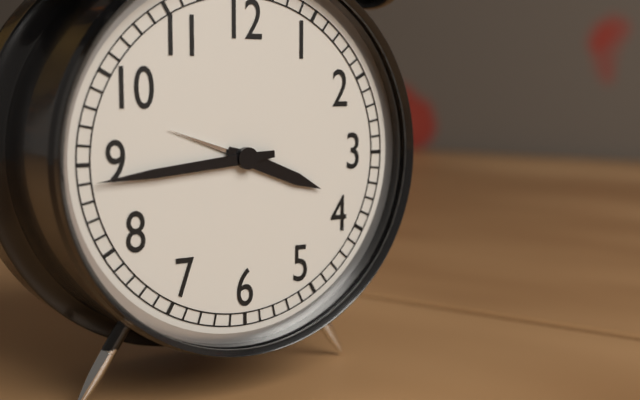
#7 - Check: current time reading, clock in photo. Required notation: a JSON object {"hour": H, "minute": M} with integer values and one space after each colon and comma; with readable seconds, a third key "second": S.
{"hour": 3, "minute": 44}
